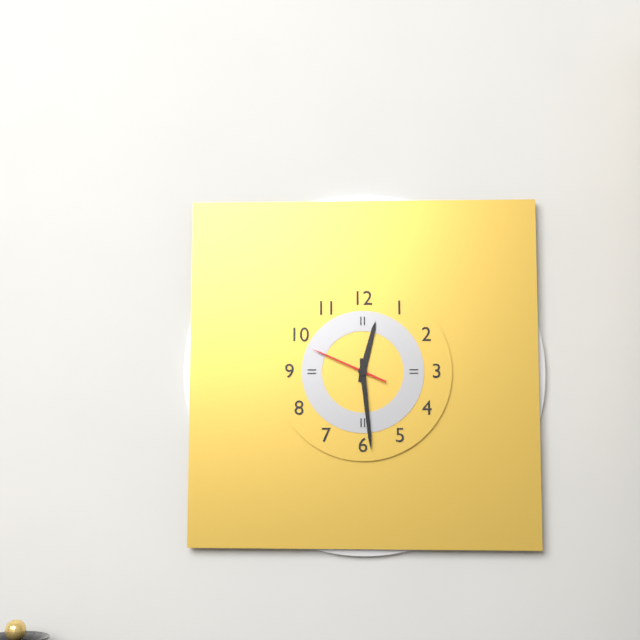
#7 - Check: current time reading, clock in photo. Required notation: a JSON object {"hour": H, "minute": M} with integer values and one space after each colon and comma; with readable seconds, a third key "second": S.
{"hour": 12, "minute": 29, "second": 49}
